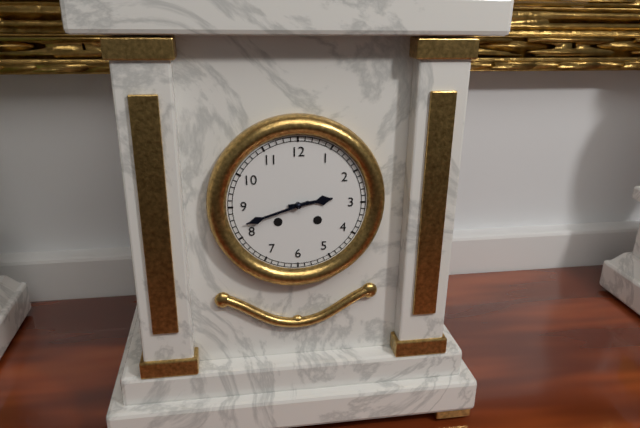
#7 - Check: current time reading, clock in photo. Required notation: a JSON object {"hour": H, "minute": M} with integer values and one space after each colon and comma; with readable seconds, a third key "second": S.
{"hour": 2, "minute": 42}
